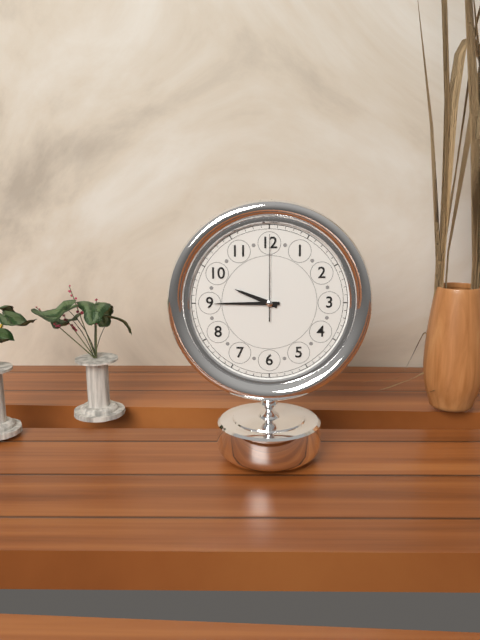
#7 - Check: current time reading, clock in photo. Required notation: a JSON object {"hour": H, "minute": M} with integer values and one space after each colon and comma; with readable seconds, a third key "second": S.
{"hour": 9, "minute": 45, "second": 0}
